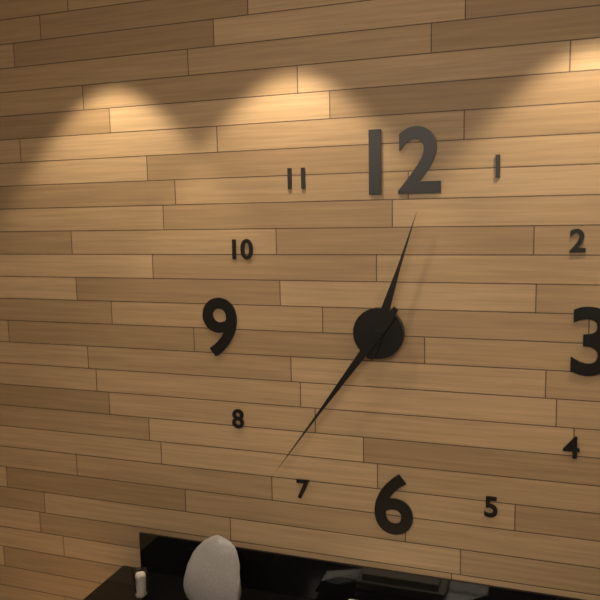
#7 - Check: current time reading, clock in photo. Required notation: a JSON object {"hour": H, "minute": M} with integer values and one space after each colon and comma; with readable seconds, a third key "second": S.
{"hour": 12, "minute": 36}
